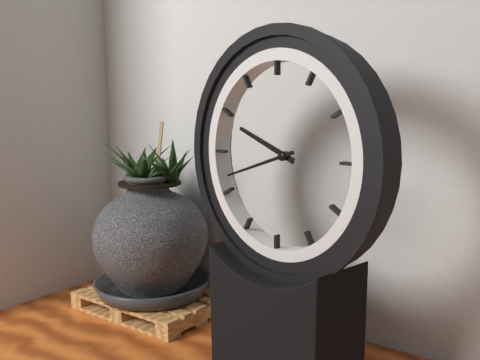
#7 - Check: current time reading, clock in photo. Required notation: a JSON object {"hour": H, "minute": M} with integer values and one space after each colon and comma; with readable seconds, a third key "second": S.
{"hour": 9, "minute": 42}
